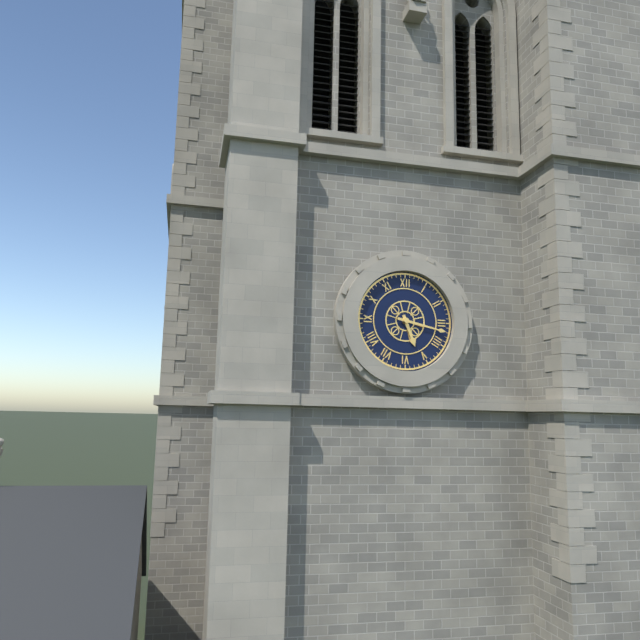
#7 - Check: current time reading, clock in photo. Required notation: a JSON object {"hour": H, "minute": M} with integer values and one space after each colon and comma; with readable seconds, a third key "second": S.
{"hour": 5, "minute": 17}
